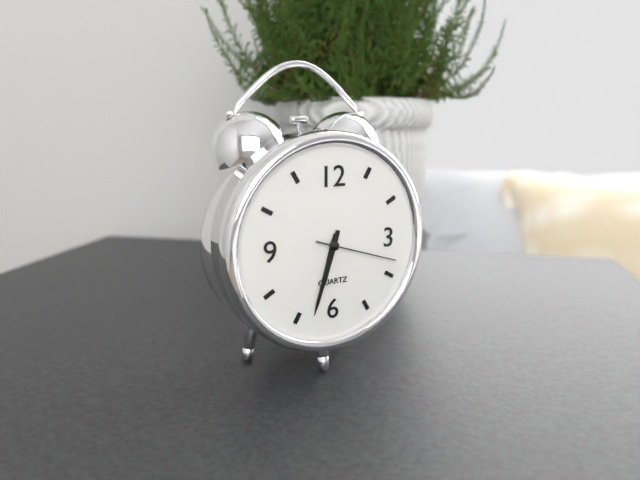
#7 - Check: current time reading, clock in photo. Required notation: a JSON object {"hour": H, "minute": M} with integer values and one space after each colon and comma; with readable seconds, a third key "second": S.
{"hour": 6, "minute": 33, "second": 18}
